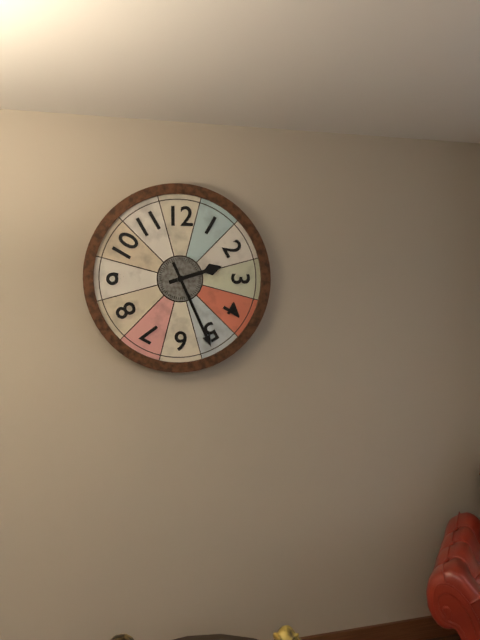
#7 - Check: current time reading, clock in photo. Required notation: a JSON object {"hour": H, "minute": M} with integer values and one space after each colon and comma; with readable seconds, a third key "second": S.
{"hour": 2, "minute": 26}
